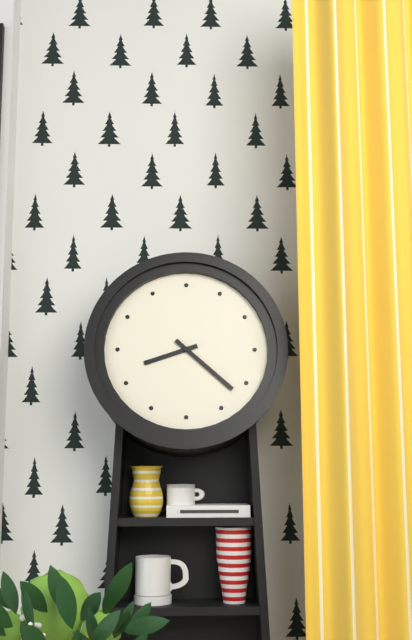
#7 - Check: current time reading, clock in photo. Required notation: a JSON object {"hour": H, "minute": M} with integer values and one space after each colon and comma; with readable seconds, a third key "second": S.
{"hour": 8, "minute": 22}
